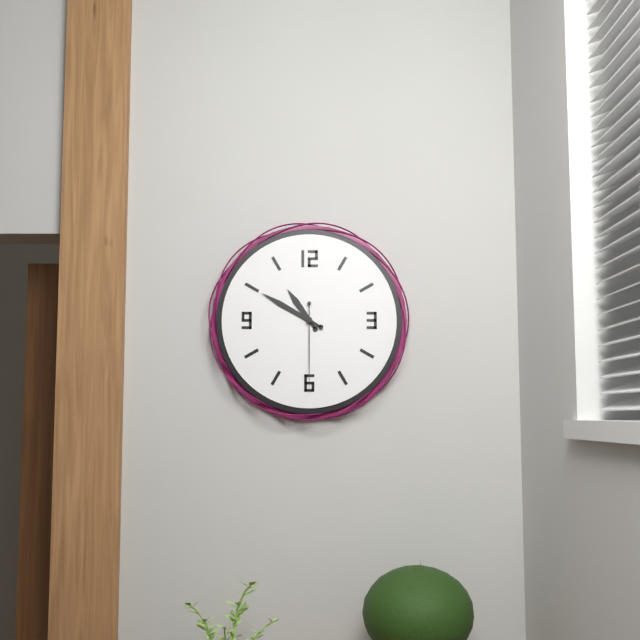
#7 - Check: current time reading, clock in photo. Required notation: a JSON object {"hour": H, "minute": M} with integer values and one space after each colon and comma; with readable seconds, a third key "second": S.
{"hour": 10, "minute": 50, "second": 30}
